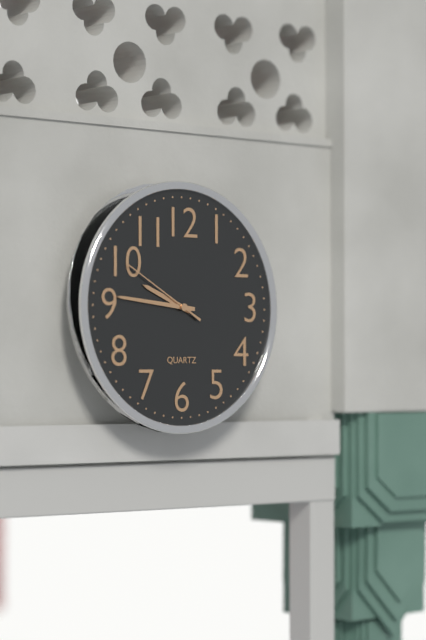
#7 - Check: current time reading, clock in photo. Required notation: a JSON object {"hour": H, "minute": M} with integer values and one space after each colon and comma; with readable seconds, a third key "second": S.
{"hour": 9, "minute": 46, "second": 50}
